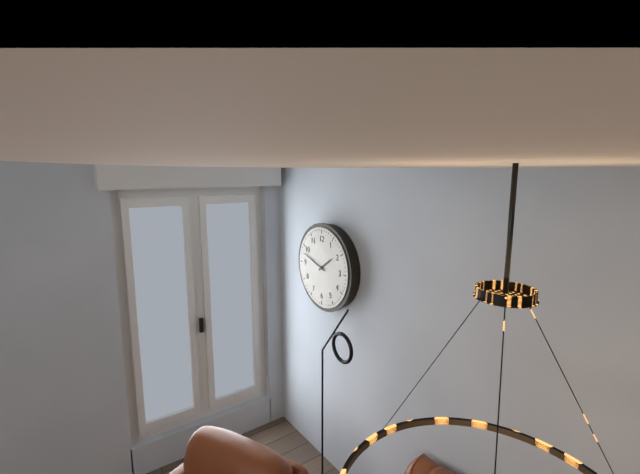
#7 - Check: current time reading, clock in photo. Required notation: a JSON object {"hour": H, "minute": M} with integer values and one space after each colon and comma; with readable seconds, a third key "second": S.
{"hour": 1, "minute": 48}
